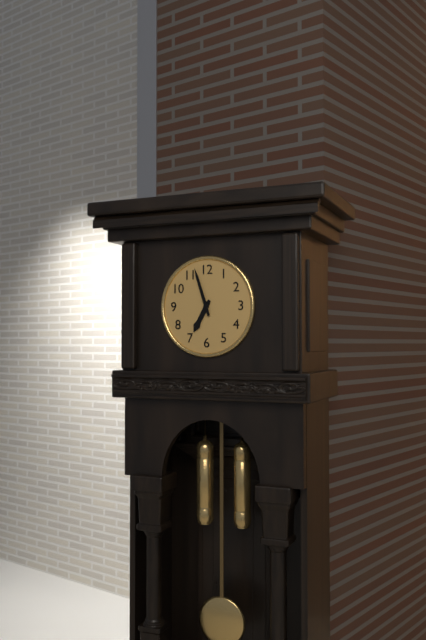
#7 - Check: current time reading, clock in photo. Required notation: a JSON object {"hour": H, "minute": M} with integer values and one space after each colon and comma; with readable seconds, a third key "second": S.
{"hour": 6, "minute": 57}
